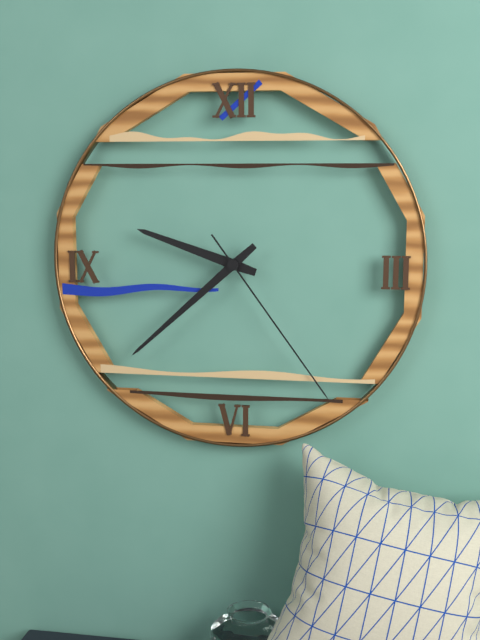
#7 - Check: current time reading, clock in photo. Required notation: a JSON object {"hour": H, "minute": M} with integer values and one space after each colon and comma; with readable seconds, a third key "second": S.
{"hour": 9, "minute": 38, "second": 24}
